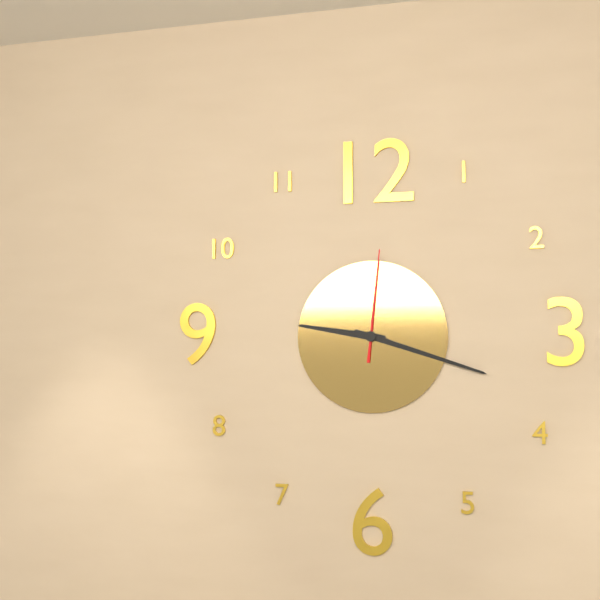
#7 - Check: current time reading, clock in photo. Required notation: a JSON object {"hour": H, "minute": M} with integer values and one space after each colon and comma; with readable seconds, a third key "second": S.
{"hour": 9, "minute": 18, "second": 1}
